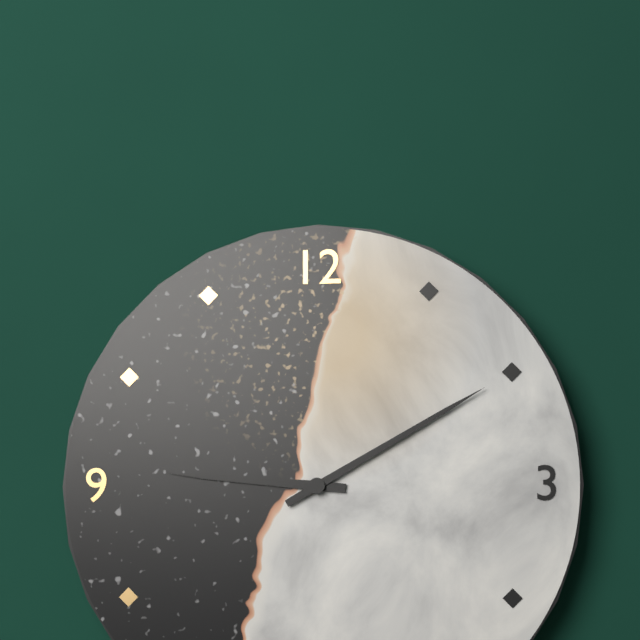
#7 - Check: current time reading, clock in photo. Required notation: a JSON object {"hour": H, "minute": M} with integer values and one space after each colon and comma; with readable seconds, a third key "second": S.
{"hour": 9, "minute": 10}
